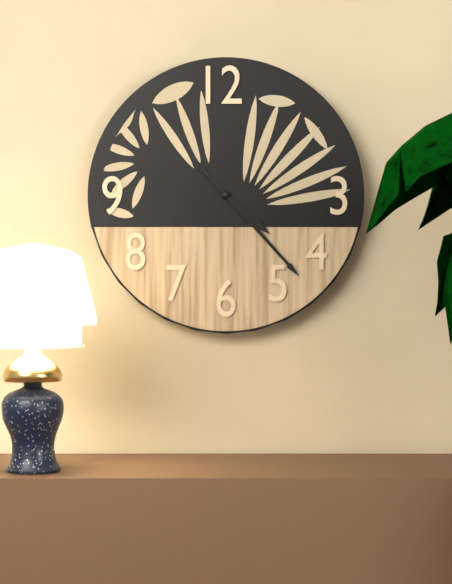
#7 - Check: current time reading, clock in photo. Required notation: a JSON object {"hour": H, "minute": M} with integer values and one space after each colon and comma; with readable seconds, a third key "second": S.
{"hour": 4, "minute": 23}
